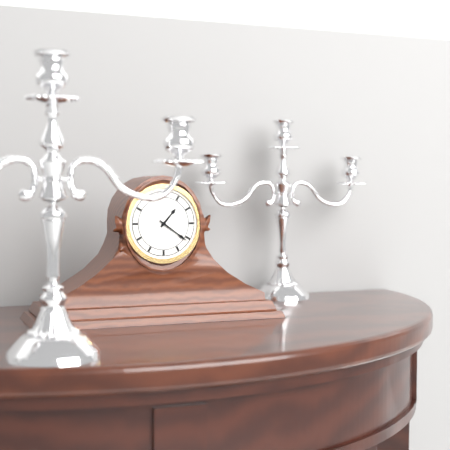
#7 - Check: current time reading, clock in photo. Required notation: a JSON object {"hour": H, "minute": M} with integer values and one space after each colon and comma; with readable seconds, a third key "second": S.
{"hour": 1, "minute": 21}
